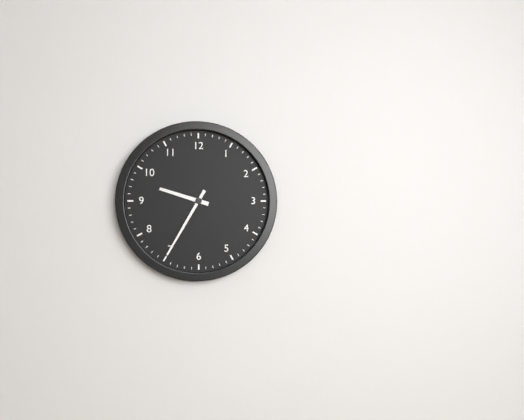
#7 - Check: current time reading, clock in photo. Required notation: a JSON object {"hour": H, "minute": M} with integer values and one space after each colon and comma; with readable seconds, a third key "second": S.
{"hour": 9, "minute": 35}
